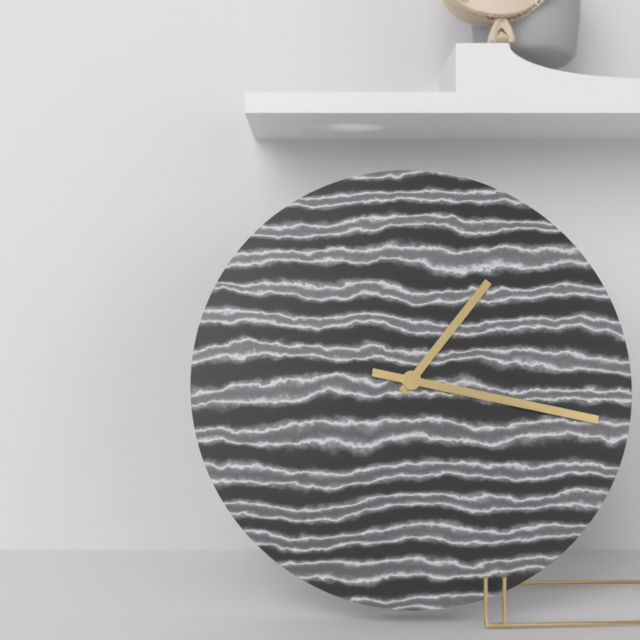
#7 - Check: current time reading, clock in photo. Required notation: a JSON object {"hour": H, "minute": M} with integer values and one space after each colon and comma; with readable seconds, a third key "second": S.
{"hour": 1, "minute": 17}
